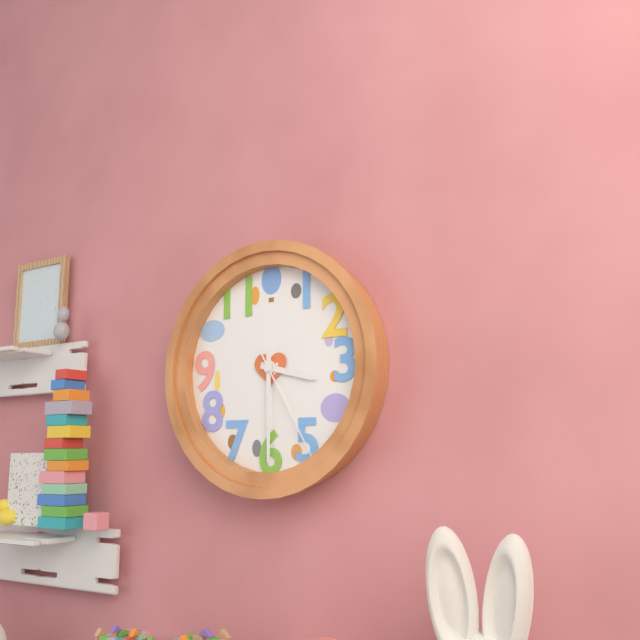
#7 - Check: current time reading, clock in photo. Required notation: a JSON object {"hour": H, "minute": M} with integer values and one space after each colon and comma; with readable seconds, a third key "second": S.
{"hour": 3, "minute": 30, "second": 25}
